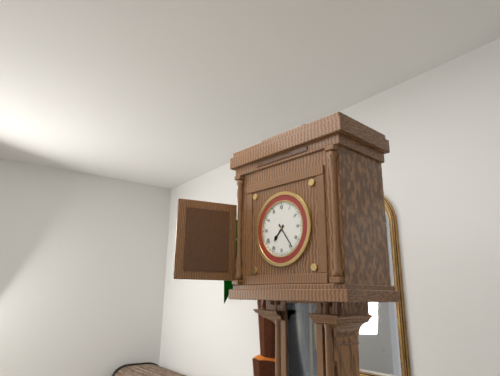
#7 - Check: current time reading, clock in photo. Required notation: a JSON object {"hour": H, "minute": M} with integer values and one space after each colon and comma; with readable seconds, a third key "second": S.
{"hour": 7, "minute": 24}
